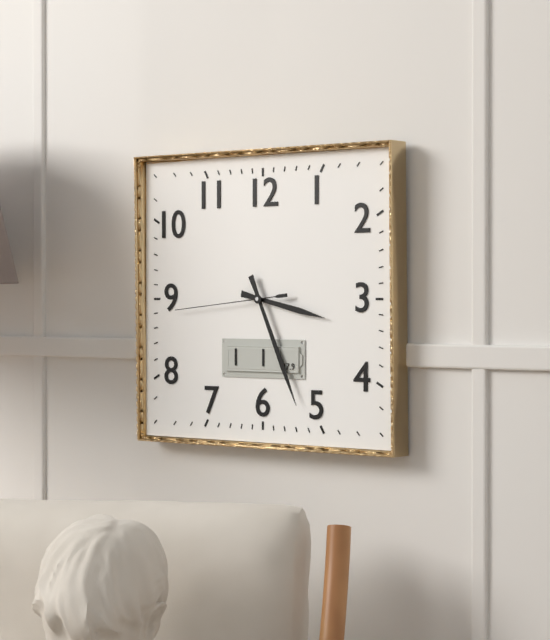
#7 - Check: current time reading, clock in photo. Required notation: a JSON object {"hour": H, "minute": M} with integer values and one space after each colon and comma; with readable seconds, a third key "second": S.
{"hour": 3, "minute": 26, "second": 44}
